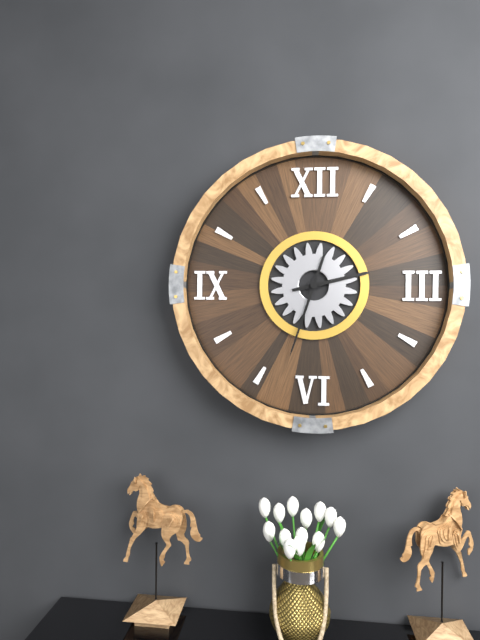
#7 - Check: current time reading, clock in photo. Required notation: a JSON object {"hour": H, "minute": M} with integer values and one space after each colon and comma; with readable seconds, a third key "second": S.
{"hour": 2, "minute": 33}
